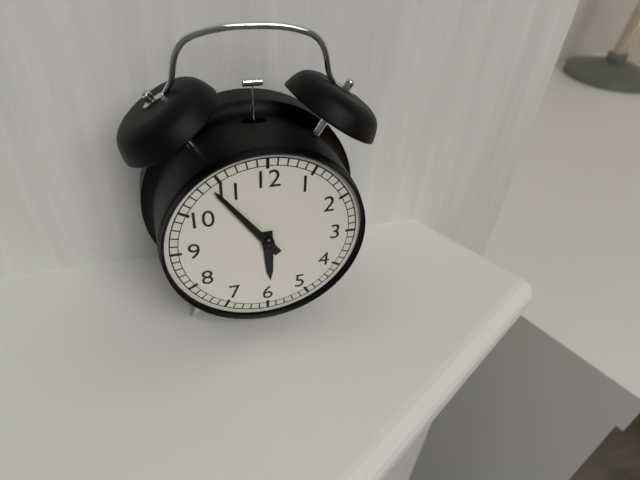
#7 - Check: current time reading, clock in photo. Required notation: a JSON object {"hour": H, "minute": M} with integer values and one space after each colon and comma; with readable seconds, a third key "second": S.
{"hour": 5, "minute": 54}
